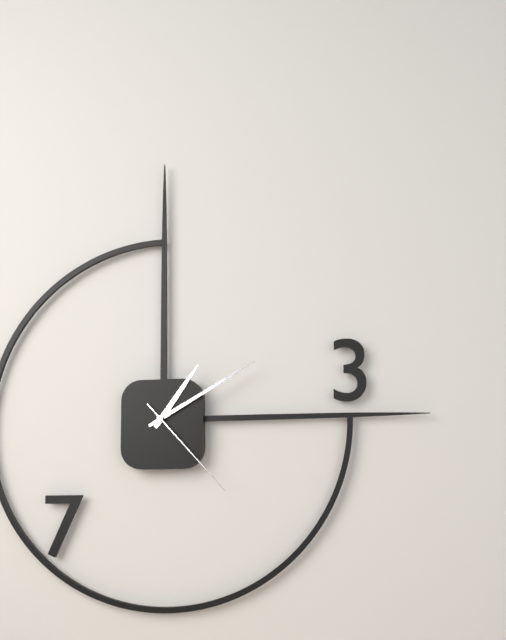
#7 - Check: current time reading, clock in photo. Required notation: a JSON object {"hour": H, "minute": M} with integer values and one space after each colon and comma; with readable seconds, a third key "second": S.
{"hour": 1, "minute": 10, "second": 23}
